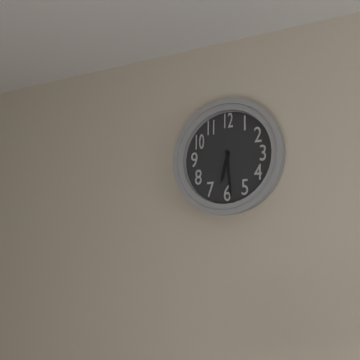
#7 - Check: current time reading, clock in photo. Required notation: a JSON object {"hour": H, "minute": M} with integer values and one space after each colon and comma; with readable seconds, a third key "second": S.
{"hour": 6, "minute": 29}
